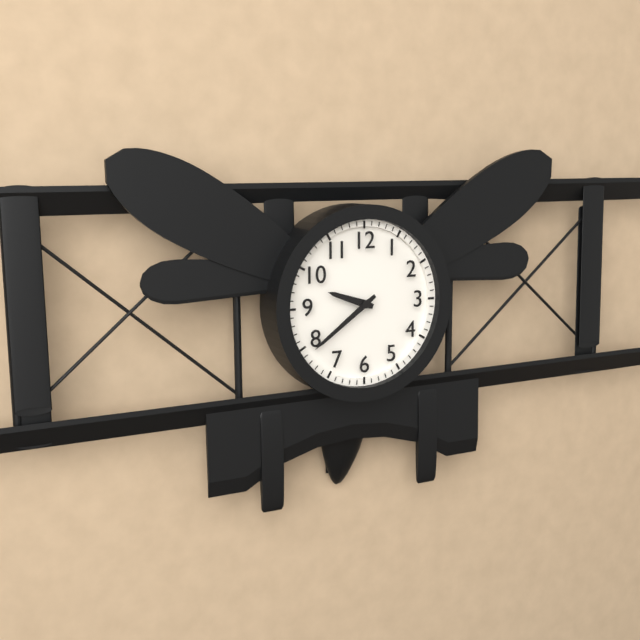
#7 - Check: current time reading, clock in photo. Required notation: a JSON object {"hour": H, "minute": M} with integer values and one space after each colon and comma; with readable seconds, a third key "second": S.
{"hour": 9, "minute": 39}
